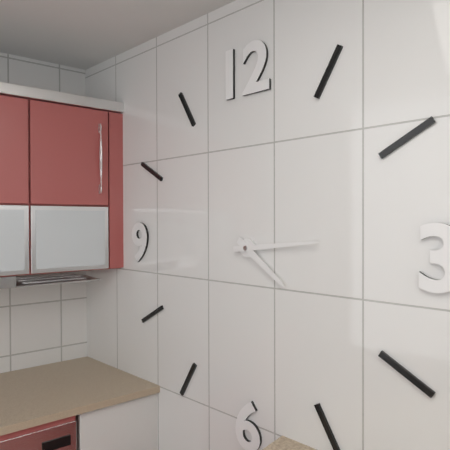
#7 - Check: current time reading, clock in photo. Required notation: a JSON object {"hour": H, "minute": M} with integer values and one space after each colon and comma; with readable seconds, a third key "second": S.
{"hour": 4, "minute": 14}
